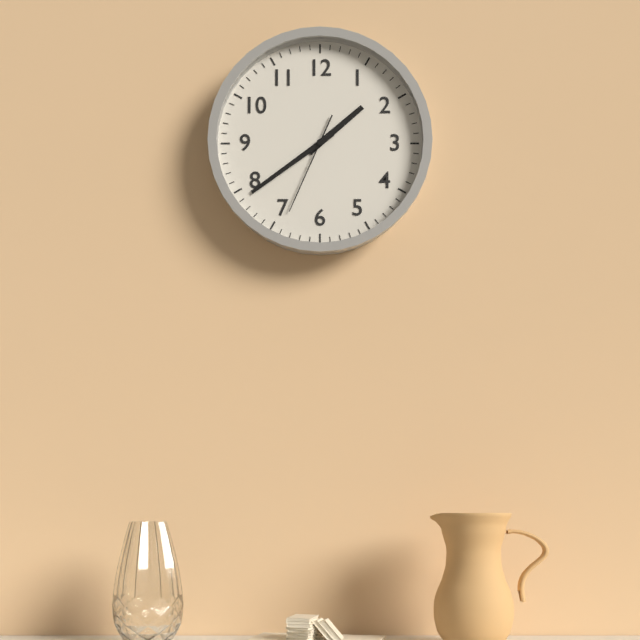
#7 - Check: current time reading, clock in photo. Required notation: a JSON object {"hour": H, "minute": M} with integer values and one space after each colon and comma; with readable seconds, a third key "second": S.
{"hour": 1, "minute": 39, "second": 34}
